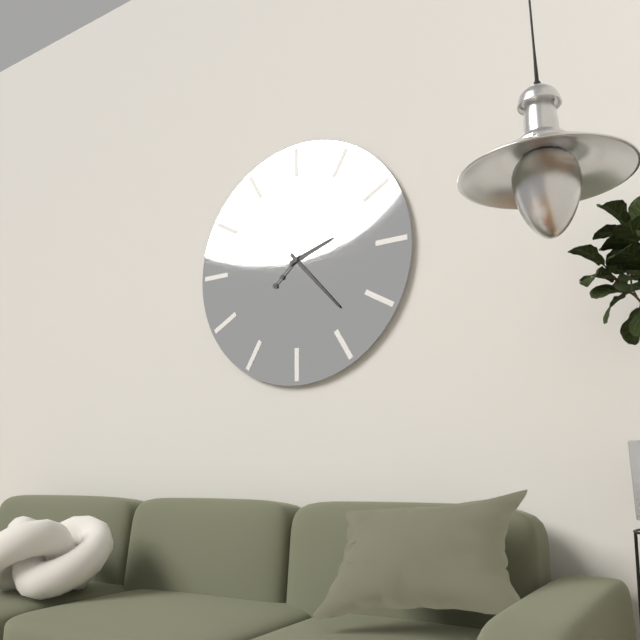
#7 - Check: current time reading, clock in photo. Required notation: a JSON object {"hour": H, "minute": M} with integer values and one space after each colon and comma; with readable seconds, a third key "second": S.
{"hour": 2, "minute": 23, "second": 8}
